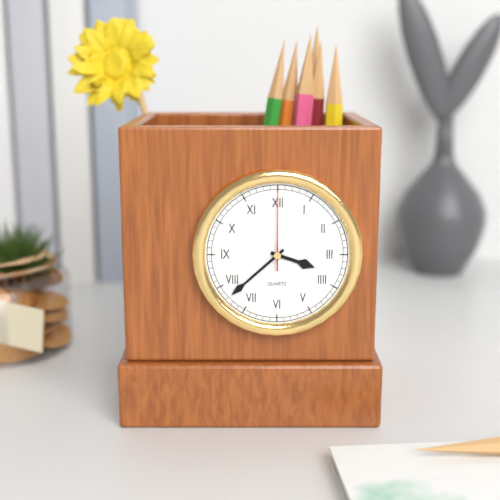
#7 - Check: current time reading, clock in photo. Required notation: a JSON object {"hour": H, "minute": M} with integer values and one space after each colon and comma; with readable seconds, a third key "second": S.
{"hour": 3, "minute": 38, "second": 0}
